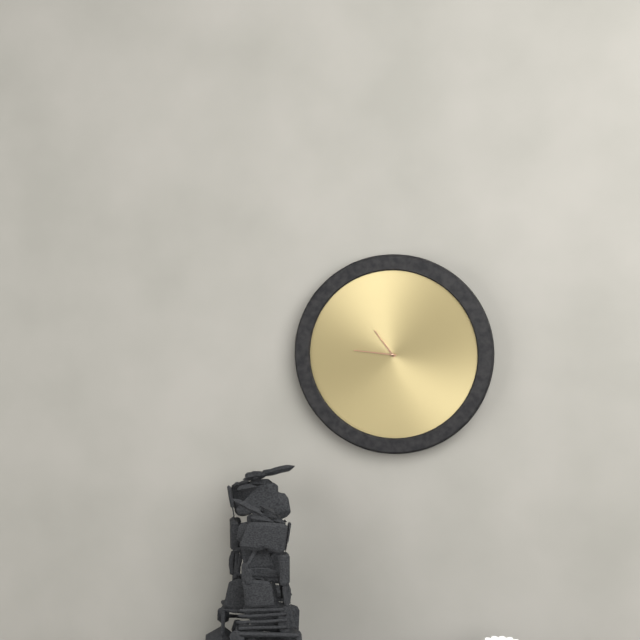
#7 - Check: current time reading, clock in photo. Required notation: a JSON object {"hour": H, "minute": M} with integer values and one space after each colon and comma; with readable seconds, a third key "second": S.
{"hour": 10, "minute": 46}
